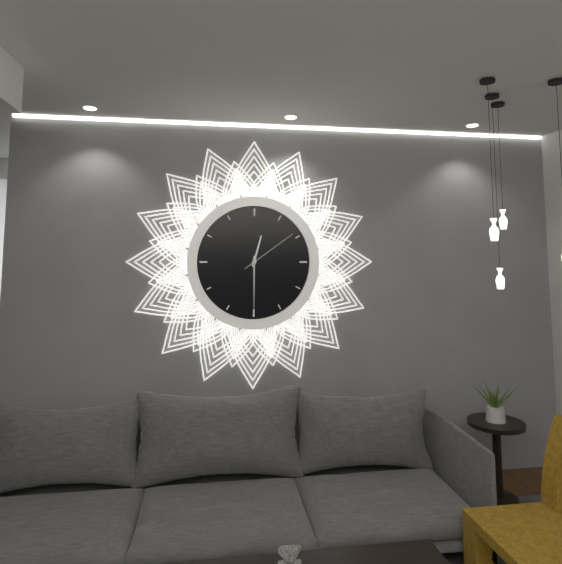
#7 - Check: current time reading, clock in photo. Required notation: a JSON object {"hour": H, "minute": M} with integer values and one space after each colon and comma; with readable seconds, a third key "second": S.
{"hour": 12, "minute": 30, "second": 9}
